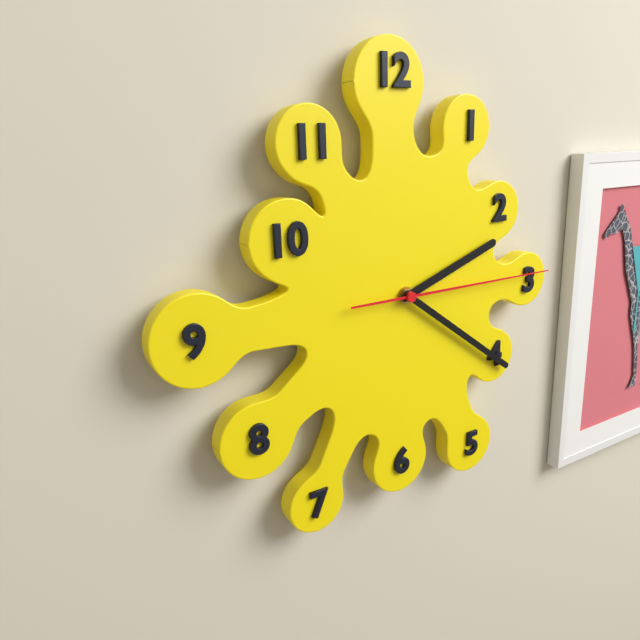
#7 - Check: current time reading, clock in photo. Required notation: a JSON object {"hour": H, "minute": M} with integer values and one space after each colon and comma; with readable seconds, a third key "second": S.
{"hour": 2, "minute": 21, "second": 15}
